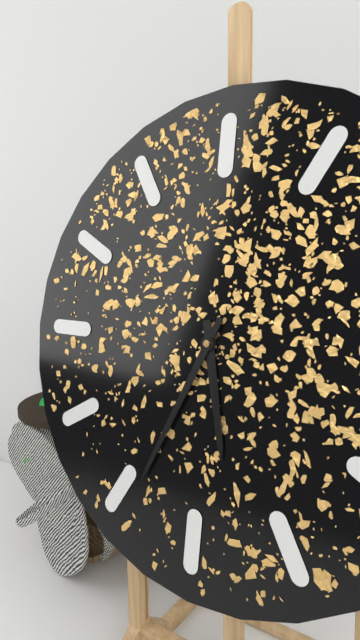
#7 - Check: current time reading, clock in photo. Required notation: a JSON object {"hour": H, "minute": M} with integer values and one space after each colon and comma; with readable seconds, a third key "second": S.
{"hour": 5, "minute": 34}
